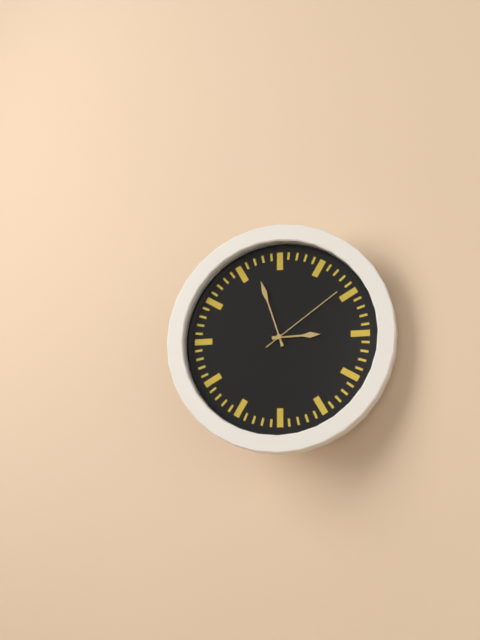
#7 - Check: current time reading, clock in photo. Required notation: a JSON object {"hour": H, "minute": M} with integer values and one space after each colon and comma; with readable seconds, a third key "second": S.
{"hour": 2, "minute": 57, "second": 9}
